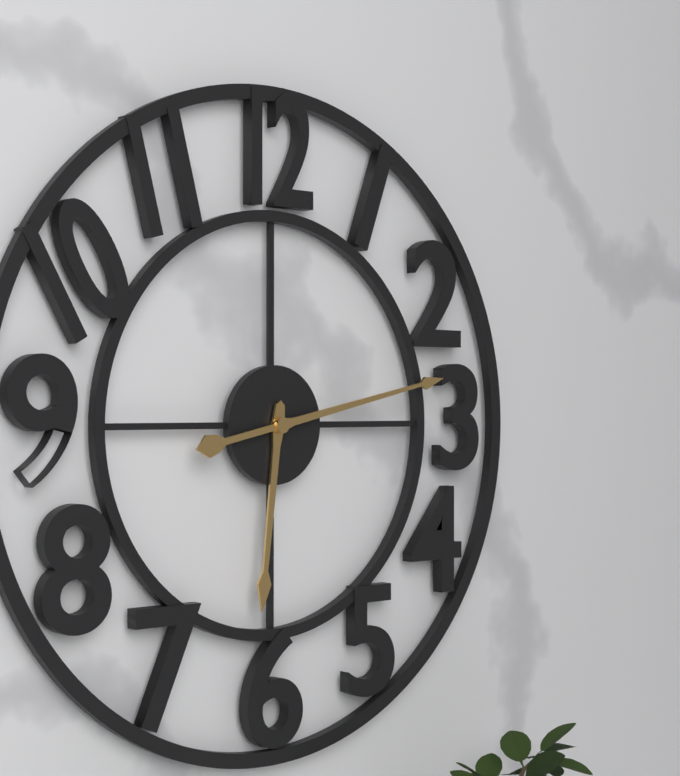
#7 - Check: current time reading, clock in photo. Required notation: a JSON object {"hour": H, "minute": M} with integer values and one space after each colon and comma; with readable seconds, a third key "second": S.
{"hour": 6, "minute": 13}
